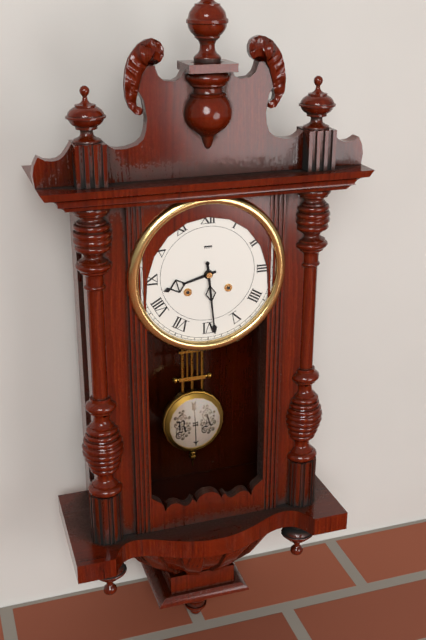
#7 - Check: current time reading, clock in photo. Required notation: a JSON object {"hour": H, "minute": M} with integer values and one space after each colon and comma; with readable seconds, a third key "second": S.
{"hour": 8, "minute": 29}
